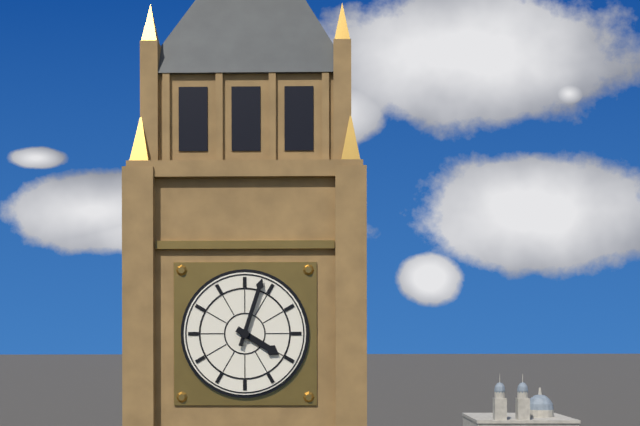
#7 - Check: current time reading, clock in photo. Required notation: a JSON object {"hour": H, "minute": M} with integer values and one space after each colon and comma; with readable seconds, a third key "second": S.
{"hour": 4, "minute": 3}
